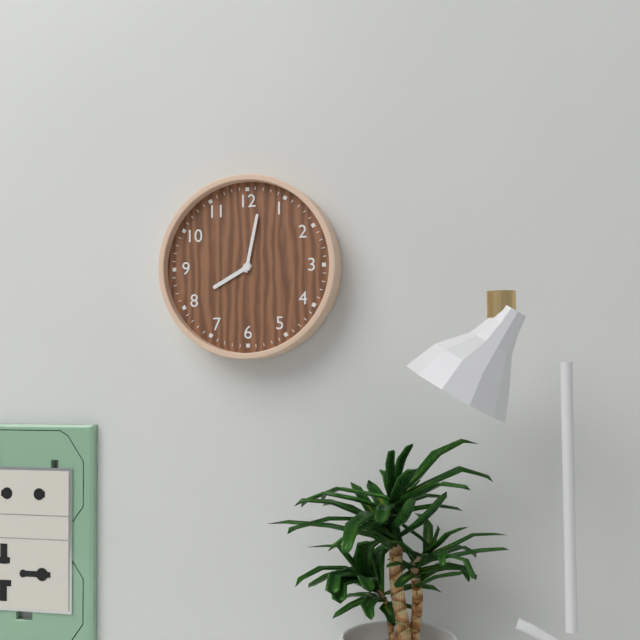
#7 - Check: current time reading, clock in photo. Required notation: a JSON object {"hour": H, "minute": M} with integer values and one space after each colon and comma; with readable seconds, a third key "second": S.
{"hour": 8, "minute": 2}
